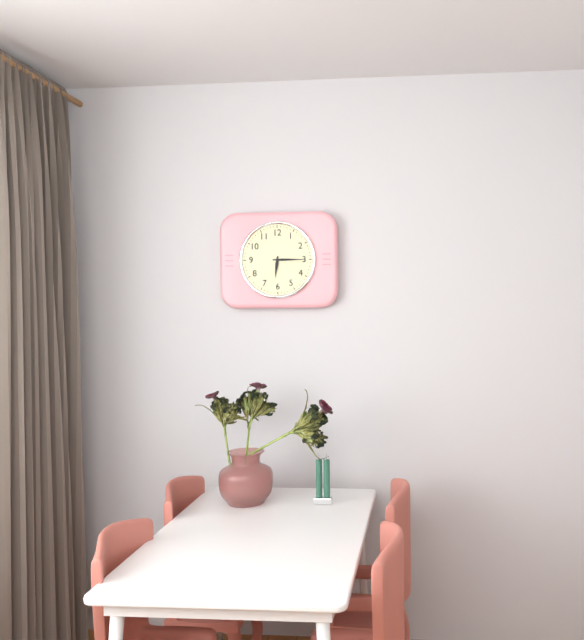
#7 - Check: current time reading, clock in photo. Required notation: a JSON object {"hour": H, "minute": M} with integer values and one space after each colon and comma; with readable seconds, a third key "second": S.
{"hour": 6, "minute": 15}
